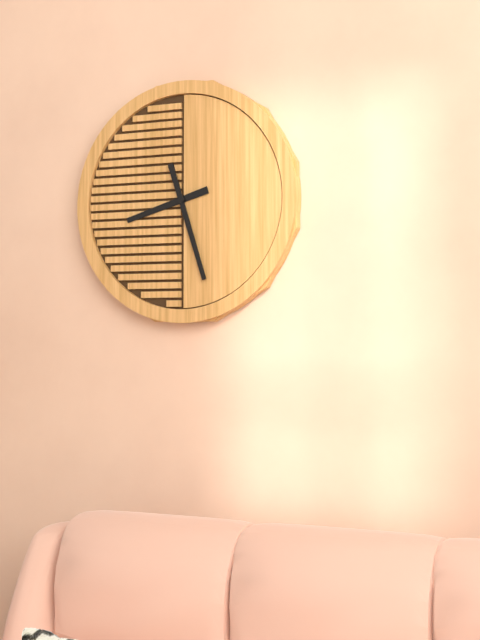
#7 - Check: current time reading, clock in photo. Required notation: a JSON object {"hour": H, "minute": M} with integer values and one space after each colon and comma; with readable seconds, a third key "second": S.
{"hour": 8, "minute": 27}
